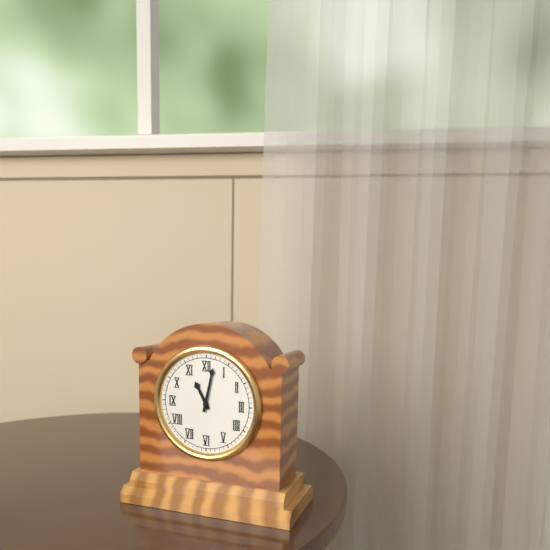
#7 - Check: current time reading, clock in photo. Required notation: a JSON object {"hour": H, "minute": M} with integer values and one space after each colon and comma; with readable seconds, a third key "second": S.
{"hour": 11, "minute": 2}
